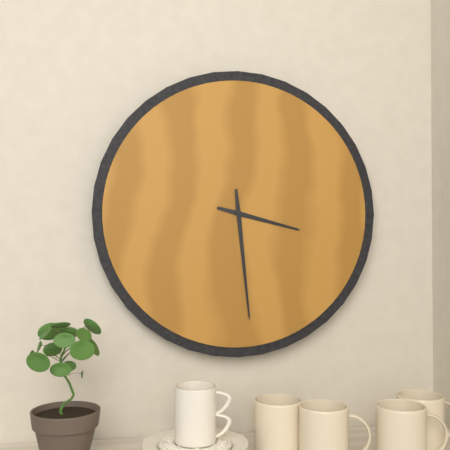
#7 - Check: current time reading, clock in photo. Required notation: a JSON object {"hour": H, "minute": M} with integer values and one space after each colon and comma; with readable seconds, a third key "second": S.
{"hour": 3, "minute": 29}
